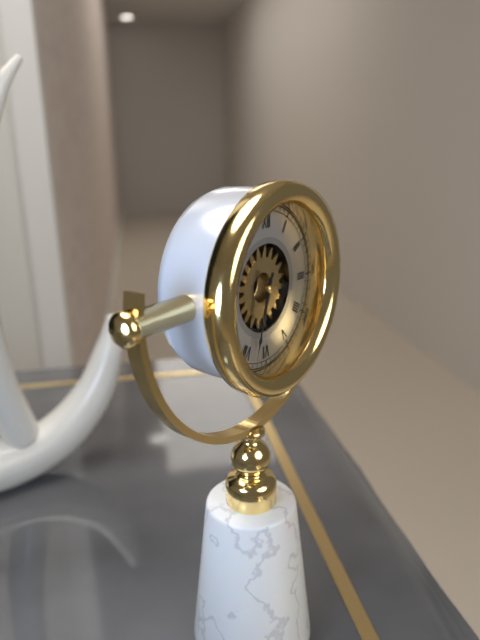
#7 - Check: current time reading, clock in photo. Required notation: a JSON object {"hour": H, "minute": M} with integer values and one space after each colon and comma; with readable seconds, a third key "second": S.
{"hour": 6, "minute": 33}
